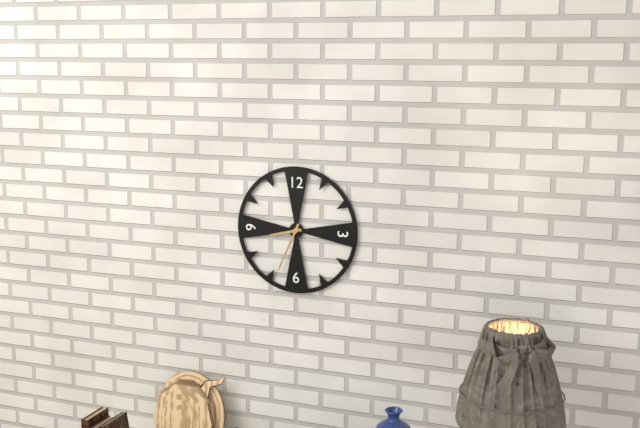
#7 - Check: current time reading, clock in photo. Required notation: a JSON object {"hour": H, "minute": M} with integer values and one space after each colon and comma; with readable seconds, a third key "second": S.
{"hour": 8, "minute": 34}
